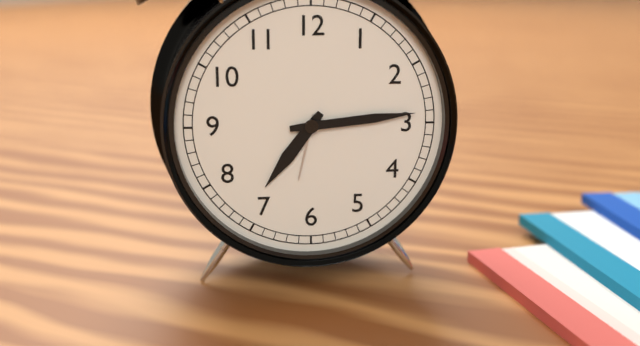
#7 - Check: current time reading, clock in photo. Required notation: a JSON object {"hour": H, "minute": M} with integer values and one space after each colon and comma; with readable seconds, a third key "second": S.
{"hour": 7, "minute": 14}
